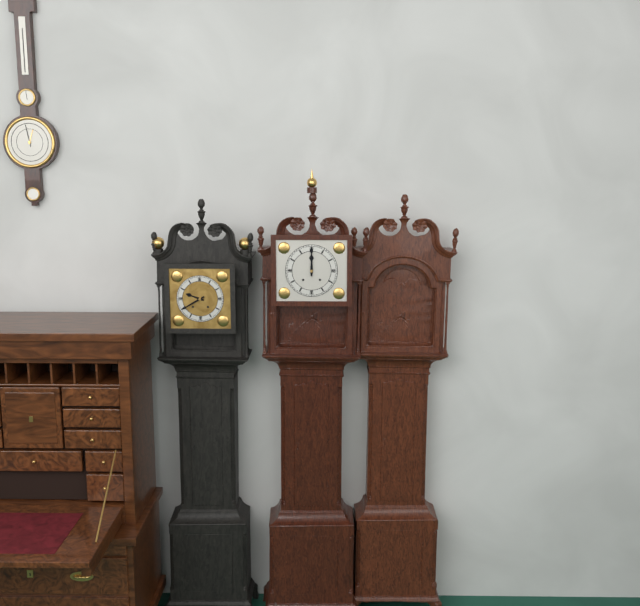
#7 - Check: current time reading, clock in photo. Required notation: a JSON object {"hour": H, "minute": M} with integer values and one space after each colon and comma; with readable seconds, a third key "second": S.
{"hour": 12, "minute": 0}
